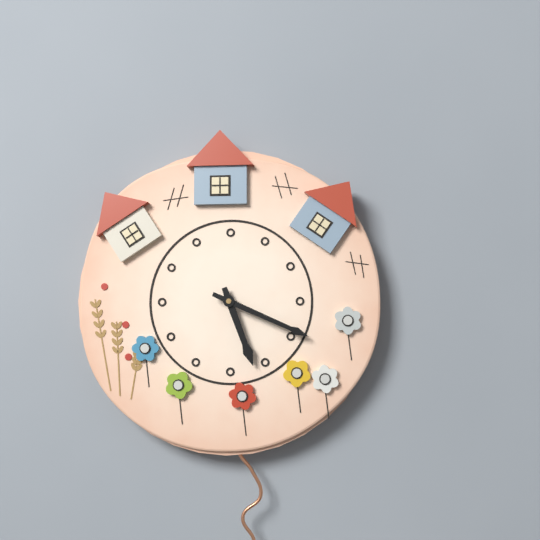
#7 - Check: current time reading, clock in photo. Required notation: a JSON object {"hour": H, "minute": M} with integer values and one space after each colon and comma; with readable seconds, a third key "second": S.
{"hour": 5, "minute": 19}
